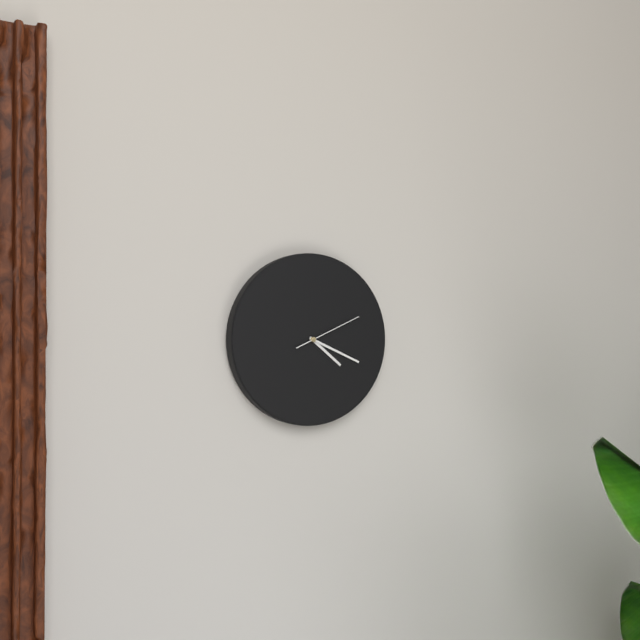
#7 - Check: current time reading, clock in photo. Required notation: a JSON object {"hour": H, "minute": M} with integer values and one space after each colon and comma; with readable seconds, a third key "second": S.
{"hour": 4, "minute": 19, "second": 11}
